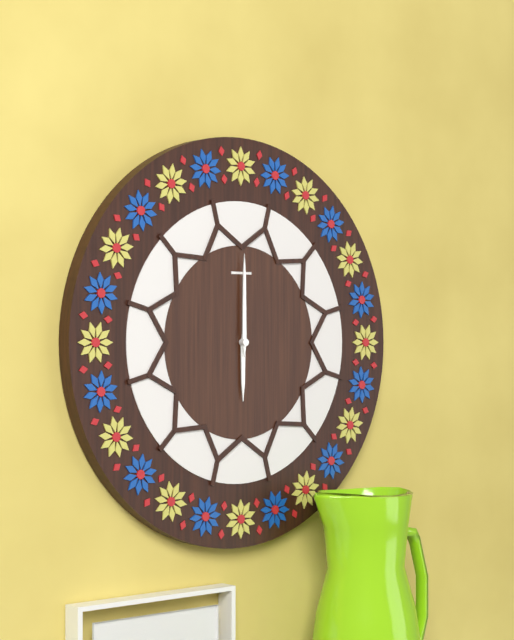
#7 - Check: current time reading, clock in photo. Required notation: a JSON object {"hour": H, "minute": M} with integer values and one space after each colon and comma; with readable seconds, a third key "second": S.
{"hour": 6, "minute": 0}
